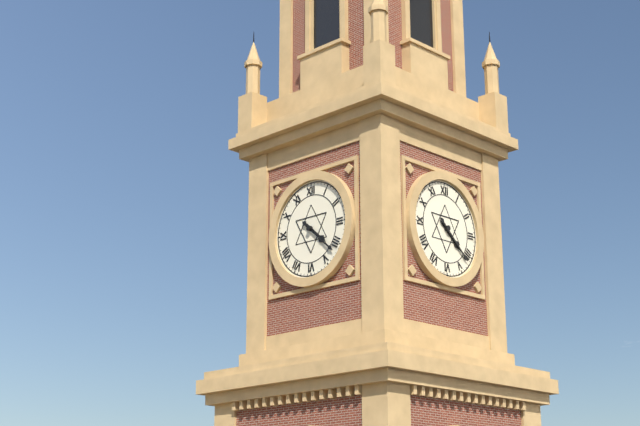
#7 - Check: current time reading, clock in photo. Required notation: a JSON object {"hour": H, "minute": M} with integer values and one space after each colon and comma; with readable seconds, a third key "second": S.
{"hour": 4, "minute": 22}
